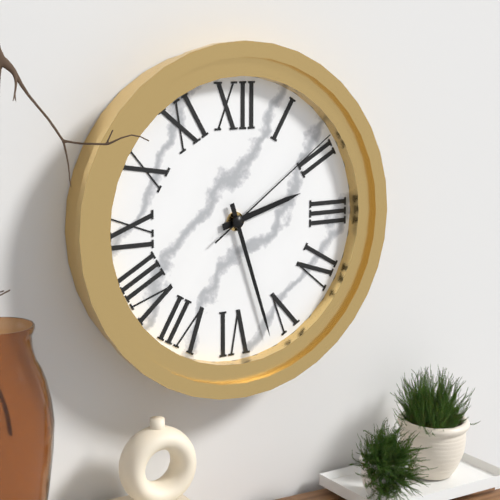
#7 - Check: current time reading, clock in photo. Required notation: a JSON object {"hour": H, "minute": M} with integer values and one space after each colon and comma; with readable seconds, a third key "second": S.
{"hour": 2, "minute": 27, "second": 9}
